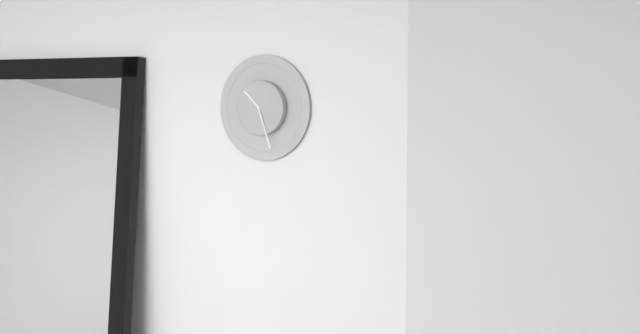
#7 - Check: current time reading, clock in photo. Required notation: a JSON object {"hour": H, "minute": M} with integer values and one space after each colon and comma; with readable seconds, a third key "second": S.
{"hour": 10, "minute": 27}
